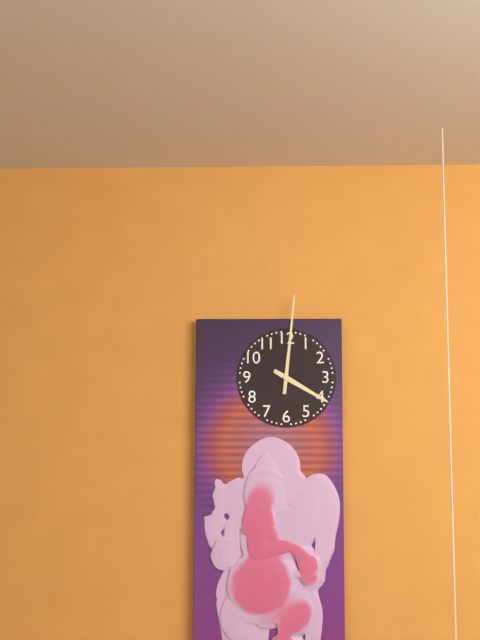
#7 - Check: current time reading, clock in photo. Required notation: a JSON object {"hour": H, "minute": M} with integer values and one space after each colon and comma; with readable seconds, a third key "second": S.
{"hour": 4, "minute": 1}
